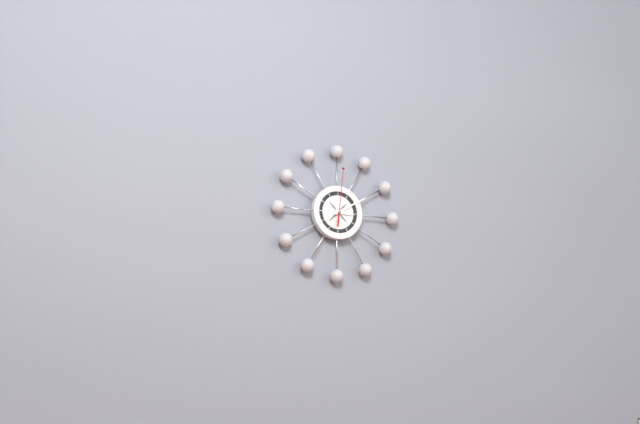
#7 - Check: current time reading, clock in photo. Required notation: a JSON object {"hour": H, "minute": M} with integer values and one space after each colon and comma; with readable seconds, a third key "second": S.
{"hour": 3, "minute": 10, "second": 1}
